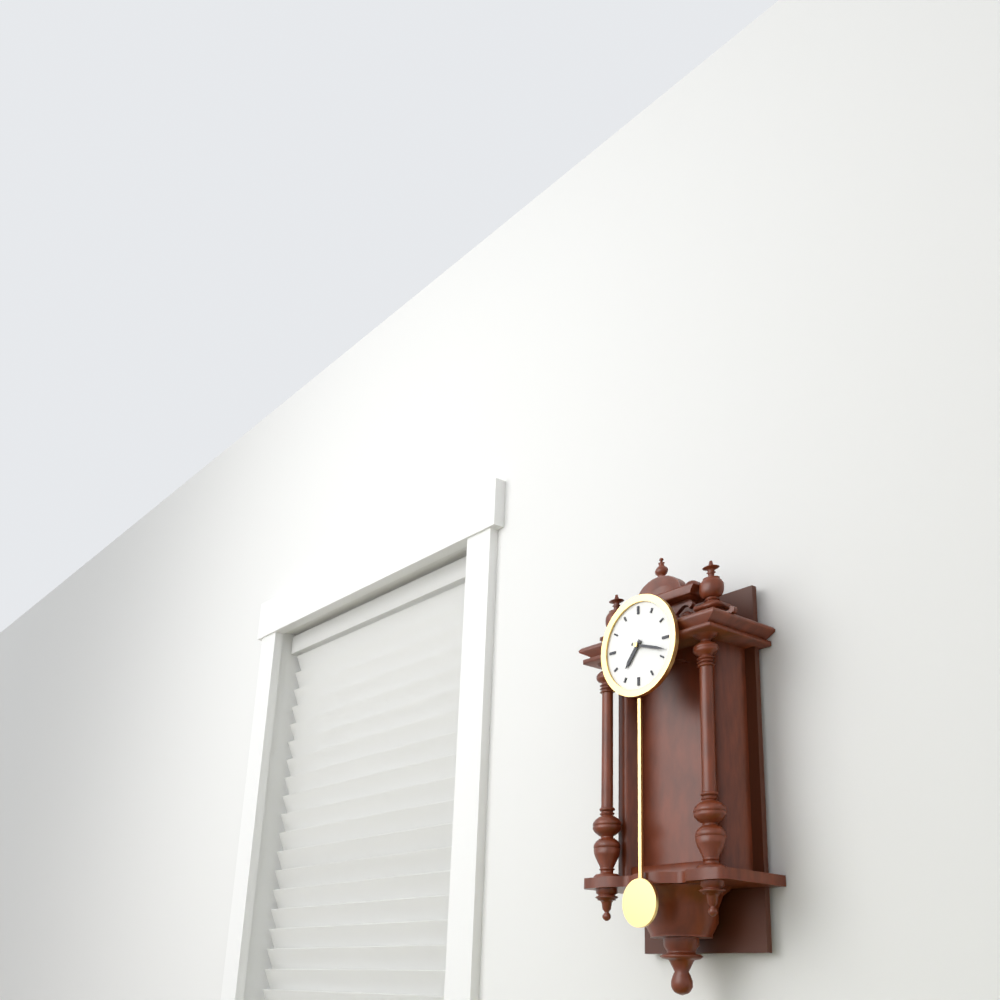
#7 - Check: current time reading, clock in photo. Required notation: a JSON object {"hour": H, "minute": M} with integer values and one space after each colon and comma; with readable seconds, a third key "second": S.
{"hour": 7, "minute": 18}
